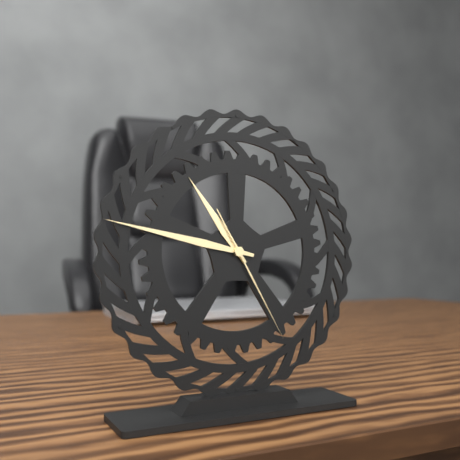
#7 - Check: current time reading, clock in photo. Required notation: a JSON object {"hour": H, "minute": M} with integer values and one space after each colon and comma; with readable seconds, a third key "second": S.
{"hour": 10, "minute": 47, "second": 25}
